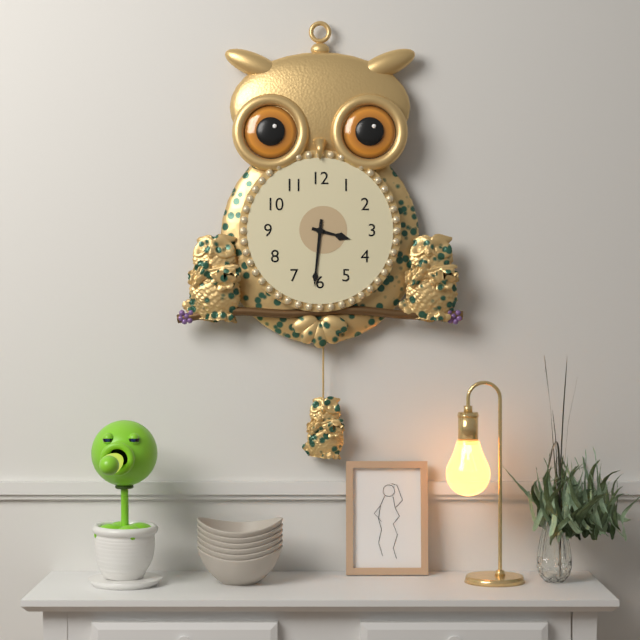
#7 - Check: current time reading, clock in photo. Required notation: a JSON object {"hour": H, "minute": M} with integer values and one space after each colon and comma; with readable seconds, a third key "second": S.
{"hour": 3, "minute": 31}
